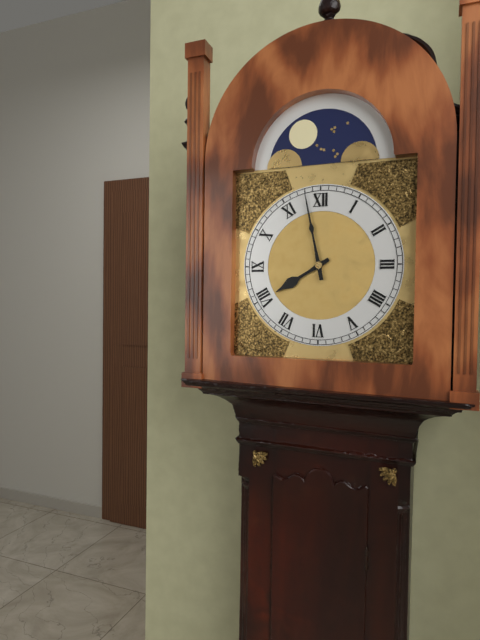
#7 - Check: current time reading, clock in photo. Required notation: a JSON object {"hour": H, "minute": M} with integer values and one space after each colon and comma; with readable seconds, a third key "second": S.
{"hour": 7, "minute": 58}
